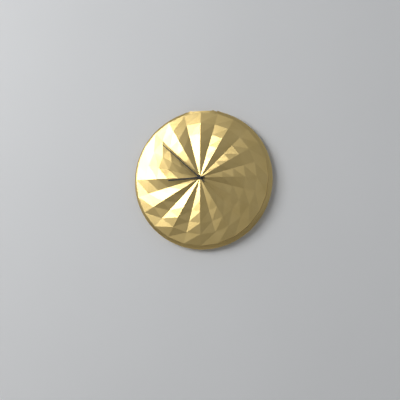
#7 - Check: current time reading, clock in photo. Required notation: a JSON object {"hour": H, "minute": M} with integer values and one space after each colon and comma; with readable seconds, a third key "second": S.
{"hour": 8, "minute": 52}
